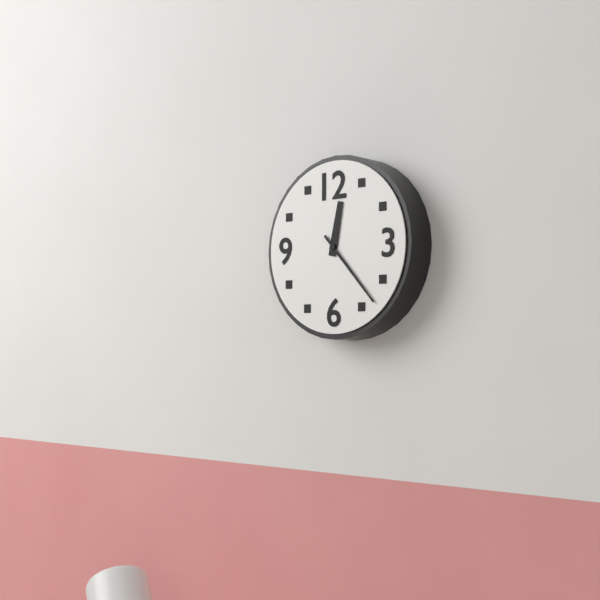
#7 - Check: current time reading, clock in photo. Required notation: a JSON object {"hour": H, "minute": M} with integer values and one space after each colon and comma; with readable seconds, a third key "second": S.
{"hour": 12, "minute": 23}
